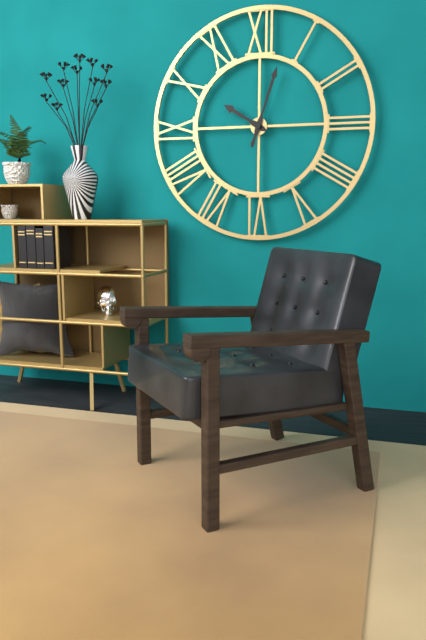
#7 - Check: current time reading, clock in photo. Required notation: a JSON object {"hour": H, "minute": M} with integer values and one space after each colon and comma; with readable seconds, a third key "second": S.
{"hour": 10, "minute": 3}
